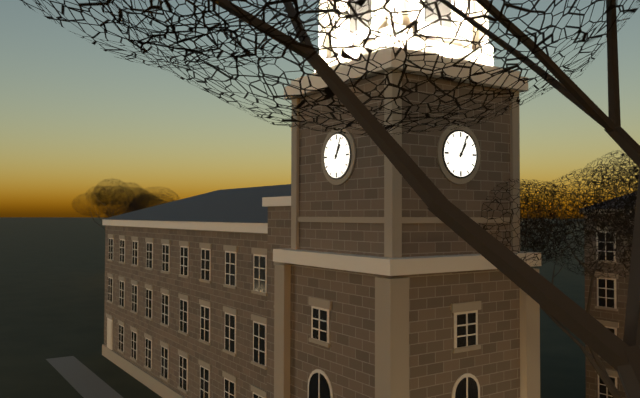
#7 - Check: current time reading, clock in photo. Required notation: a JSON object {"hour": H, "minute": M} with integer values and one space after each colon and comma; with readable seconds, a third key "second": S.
{"hour": 1, "minute": 4}
